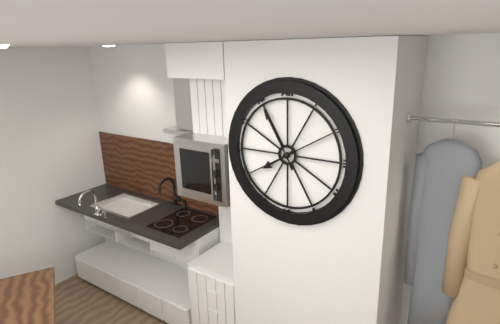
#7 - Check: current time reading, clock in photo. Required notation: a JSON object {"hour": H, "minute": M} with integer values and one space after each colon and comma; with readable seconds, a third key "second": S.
{"hour": 7, "minute": 55}
